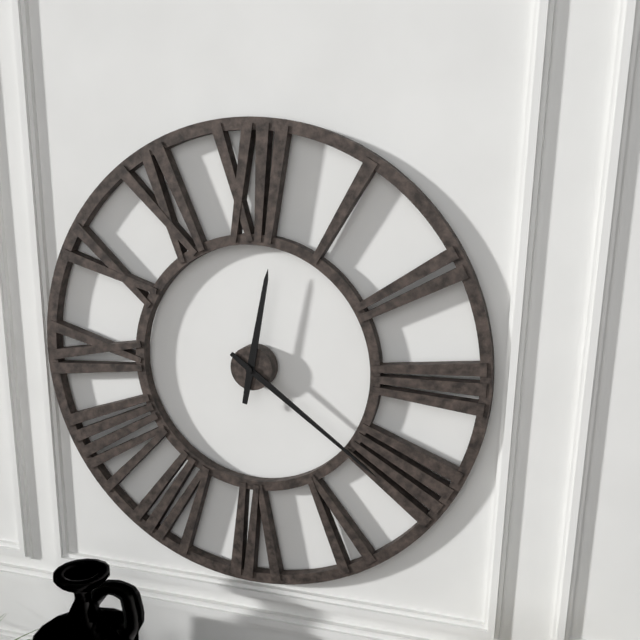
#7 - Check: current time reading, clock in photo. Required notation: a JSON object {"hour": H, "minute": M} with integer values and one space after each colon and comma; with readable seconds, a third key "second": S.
{"hour": 12, "minute": 21}
